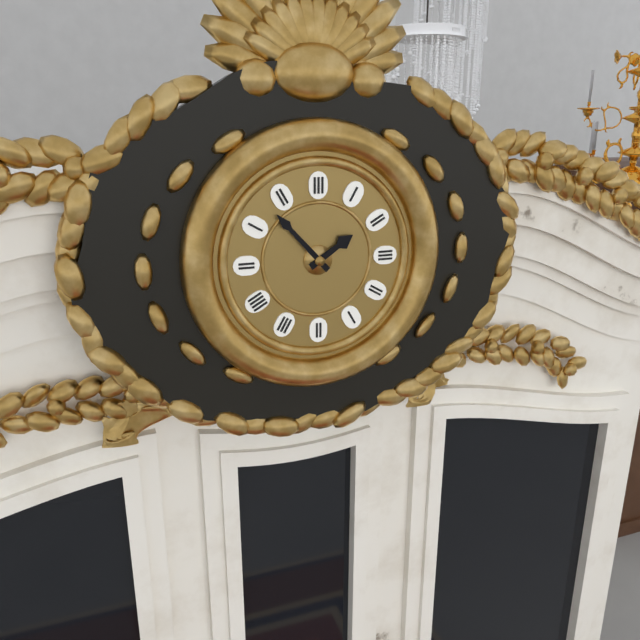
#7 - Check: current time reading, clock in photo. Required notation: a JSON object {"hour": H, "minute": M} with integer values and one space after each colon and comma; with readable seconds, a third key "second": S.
{"hour": 1, "minute": 53}
